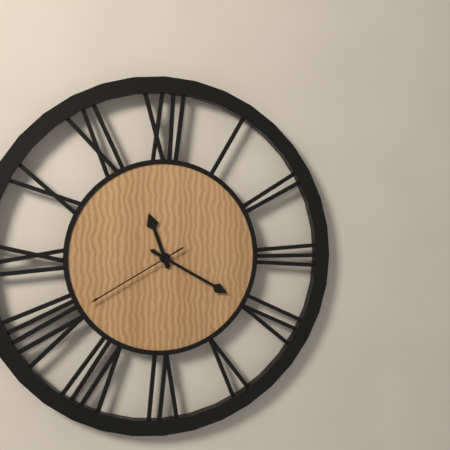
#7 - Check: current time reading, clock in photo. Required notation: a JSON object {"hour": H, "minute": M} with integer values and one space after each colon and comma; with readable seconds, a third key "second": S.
{"hour": 11, "minute": 20, "second": 40}
